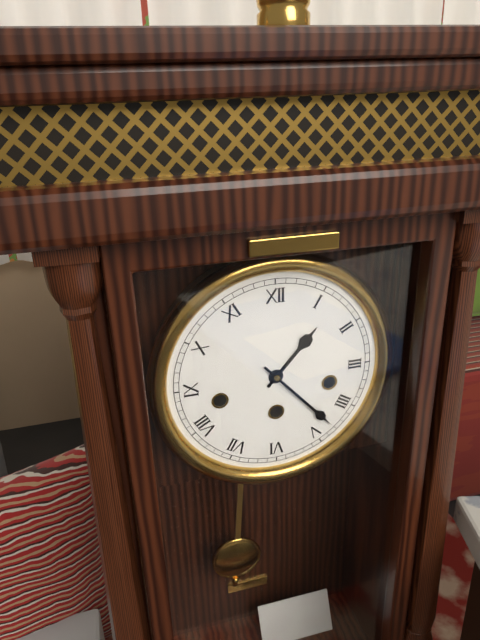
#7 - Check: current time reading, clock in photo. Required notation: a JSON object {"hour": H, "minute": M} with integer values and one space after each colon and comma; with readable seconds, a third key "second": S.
{"hour": 1, "minute": 23}
